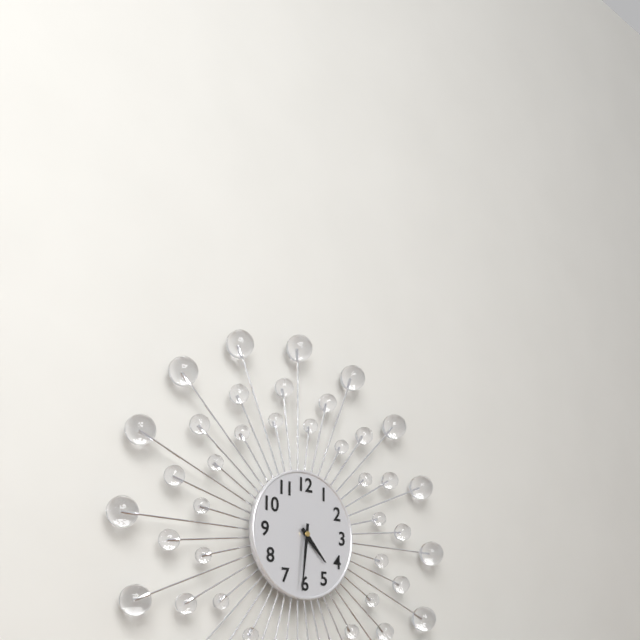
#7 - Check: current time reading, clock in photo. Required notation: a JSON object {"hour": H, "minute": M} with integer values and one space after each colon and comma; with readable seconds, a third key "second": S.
{"hour": 4, "minute": 31}
